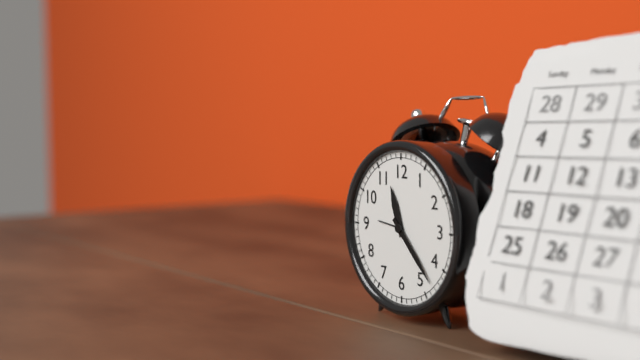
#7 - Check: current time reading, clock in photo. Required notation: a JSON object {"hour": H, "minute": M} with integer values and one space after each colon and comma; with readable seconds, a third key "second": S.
{"hour": 11, "minute": 23}
